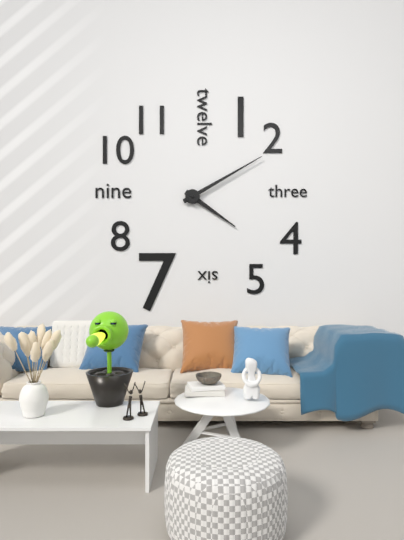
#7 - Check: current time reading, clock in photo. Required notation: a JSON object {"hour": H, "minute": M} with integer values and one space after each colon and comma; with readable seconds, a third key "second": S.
{"hour": 4, "minute": 10}
